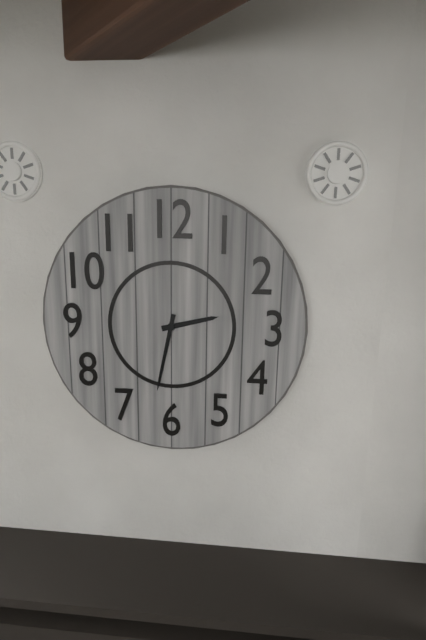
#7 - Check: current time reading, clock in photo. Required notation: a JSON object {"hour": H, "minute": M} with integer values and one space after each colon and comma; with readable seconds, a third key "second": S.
{"hour": 2, "minute": 32}
